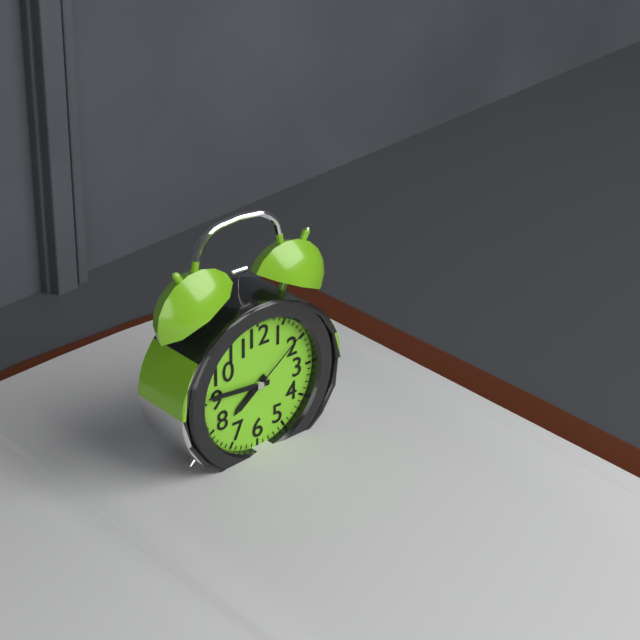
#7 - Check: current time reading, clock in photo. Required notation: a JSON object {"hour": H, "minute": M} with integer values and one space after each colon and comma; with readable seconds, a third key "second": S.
{"hour": 7, "minute": 46, "second": 9}
